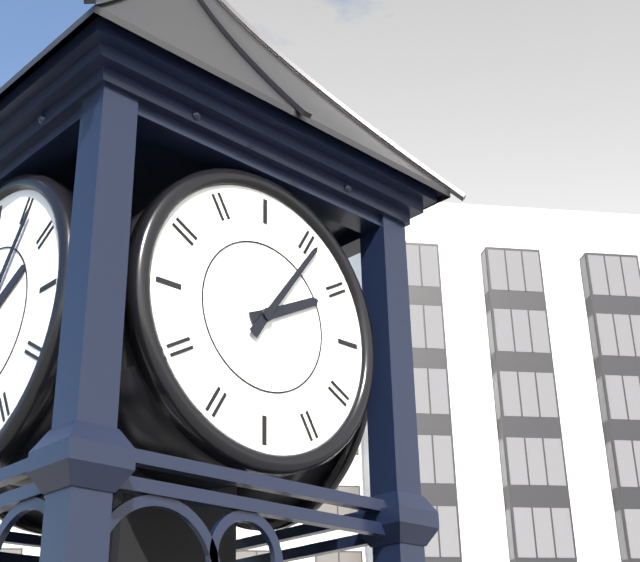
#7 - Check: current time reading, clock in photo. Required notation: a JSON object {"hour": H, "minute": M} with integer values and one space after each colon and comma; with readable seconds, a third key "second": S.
{"hour": 2, "minute": 6}
